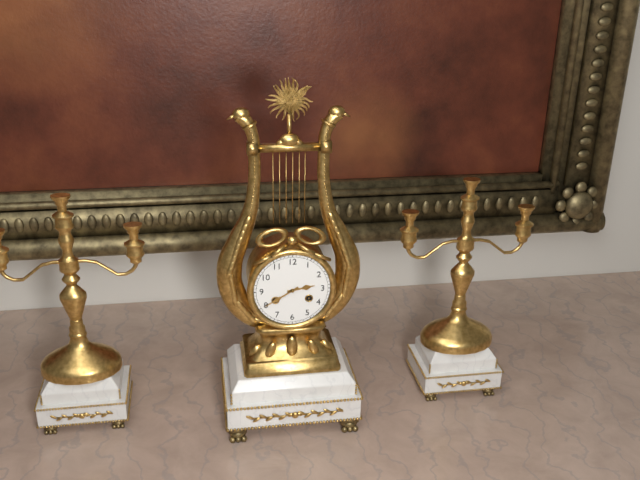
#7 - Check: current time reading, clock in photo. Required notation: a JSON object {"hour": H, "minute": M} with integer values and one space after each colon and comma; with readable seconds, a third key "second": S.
{"hour": 2, "minute": 40}
